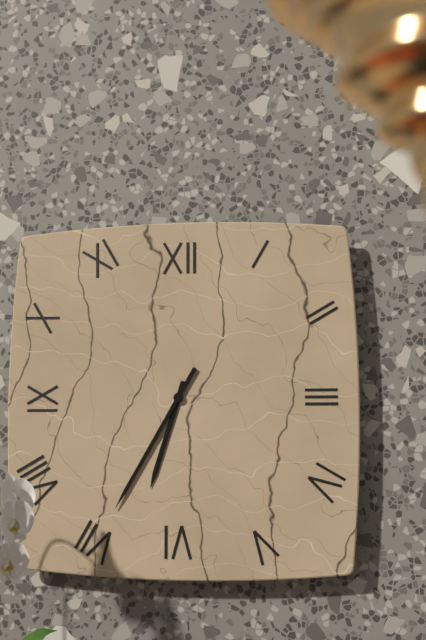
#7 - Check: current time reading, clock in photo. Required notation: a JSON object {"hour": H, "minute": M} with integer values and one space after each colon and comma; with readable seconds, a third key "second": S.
{"hour": 6, "minute": 35}
